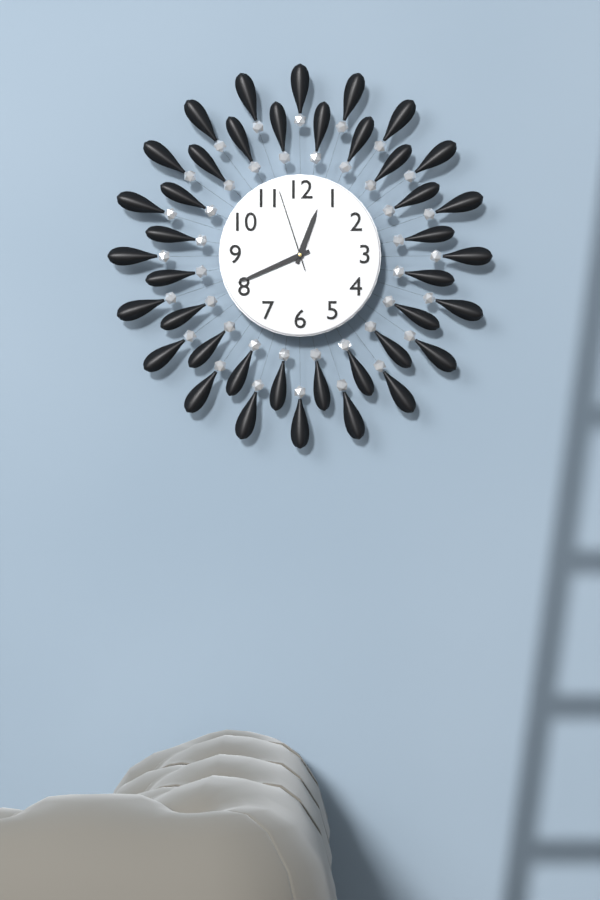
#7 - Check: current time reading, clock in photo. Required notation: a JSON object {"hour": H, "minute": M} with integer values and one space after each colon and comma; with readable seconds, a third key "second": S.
{"hour": 12, "minute": 41, "second": 57}
